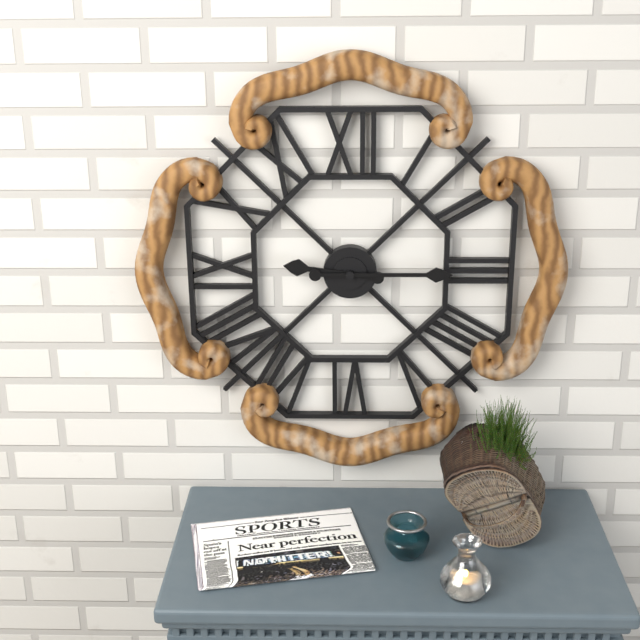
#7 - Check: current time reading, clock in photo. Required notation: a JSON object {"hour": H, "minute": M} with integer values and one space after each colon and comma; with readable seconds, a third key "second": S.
{"hour": 9, "minute": 15}
